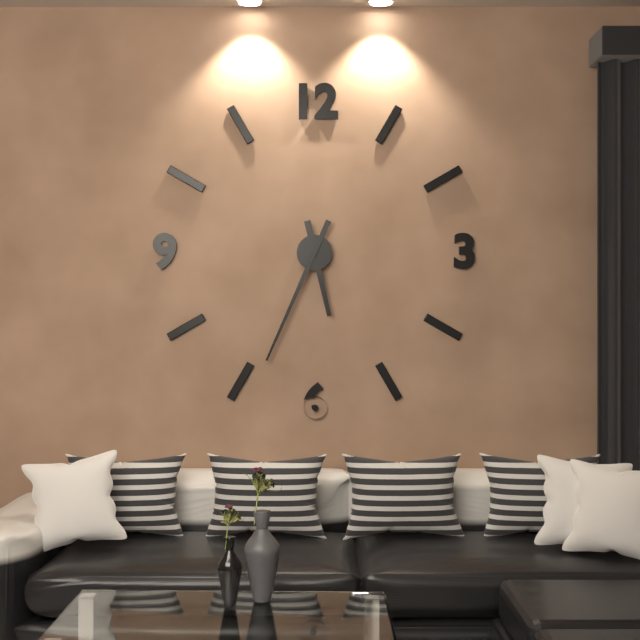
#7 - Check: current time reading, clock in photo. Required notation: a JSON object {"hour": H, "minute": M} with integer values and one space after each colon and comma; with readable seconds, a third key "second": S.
{"hour": 5, "minute": 34}
